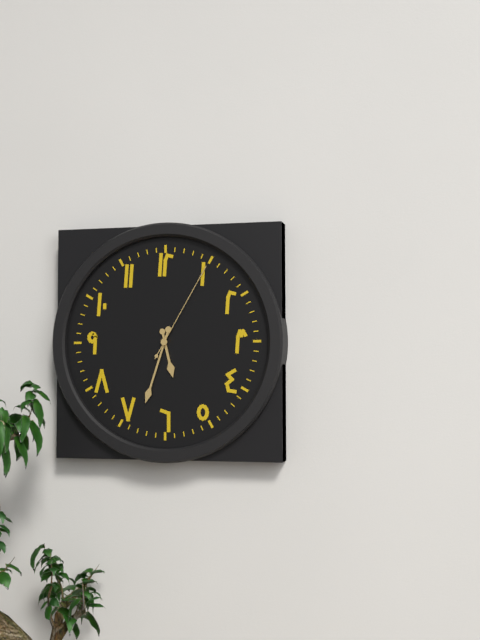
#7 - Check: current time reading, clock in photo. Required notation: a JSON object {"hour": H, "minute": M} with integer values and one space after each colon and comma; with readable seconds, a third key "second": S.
{"hour": 5, "minute": 33, "second": 5}
